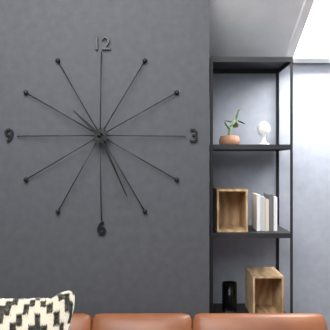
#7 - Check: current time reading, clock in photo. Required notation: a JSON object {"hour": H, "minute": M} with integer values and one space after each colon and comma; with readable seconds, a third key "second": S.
{"hour": 10, "minute": 26}
